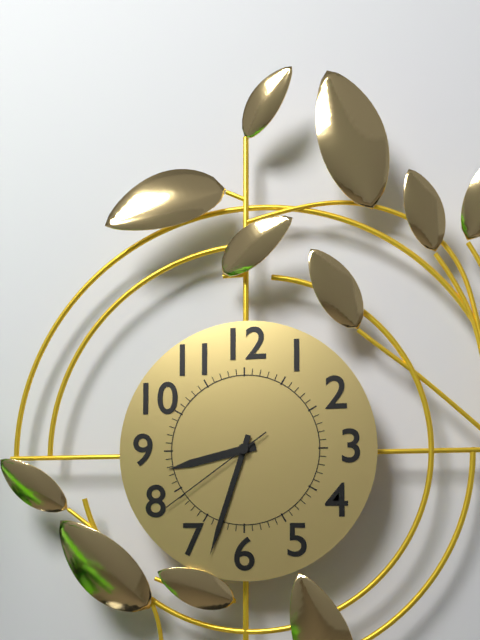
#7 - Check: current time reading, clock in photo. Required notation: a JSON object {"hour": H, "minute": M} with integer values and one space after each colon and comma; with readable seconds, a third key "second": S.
{"hour": 8, "minute": 33, "second": 39}
